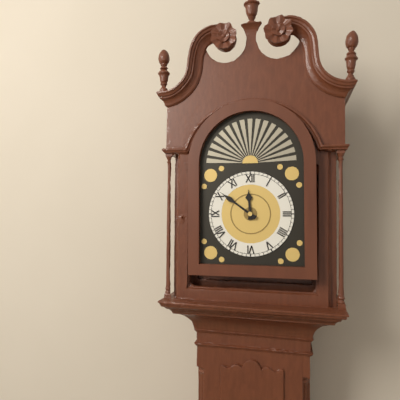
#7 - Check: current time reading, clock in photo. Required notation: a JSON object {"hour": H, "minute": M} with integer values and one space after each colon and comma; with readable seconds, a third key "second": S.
{"hour": 11, "minute": 51}
